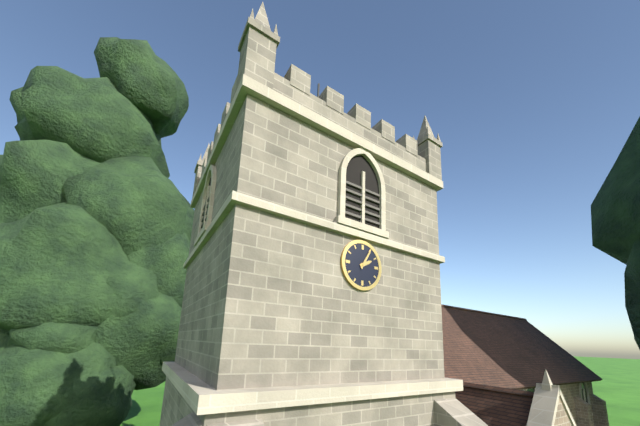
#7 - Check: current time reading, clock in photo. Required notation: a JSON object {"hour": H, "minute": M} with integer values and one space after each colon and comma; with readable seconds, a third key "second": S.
{"hour": 2, "minute": 5}
